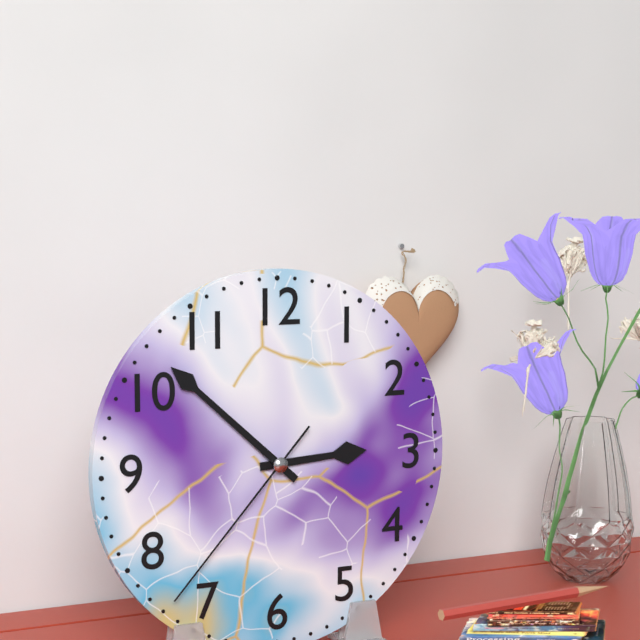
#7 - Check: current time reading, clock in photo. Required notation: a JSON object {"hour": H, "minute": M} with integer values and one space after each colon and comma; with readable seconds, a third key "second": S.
{"hour": 2, "minute": 52, "second": 37}
